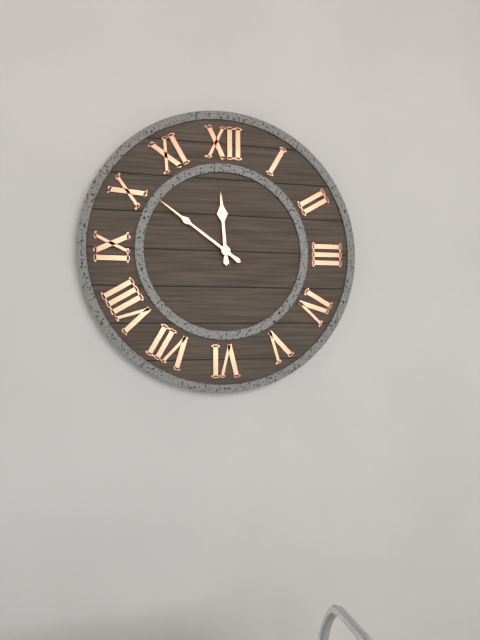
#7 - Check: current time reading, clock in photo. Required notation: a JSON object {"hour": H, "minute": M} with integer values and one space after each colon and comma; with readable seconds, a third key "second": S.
{"hour": 11, "minute": 51}
